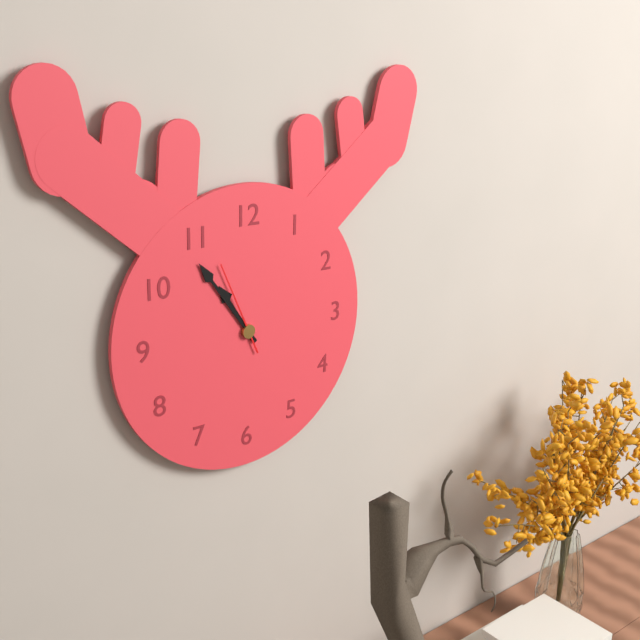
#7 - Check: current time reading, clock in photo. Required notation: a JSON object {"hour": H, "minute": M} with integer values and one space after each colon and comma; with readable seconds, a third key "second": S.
{"hour": 10, "minute": 54, "second": 56}
